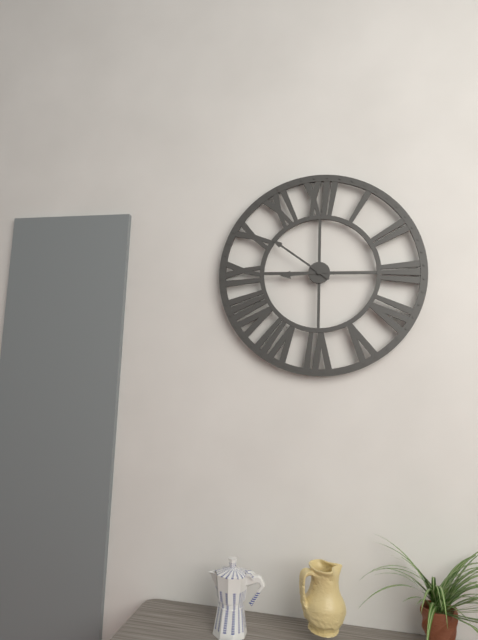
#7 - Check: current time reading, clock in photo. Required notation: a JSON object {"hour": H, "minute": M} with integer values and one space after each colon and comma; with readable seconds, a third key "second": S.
{"hour": 8, "minute": 51}
